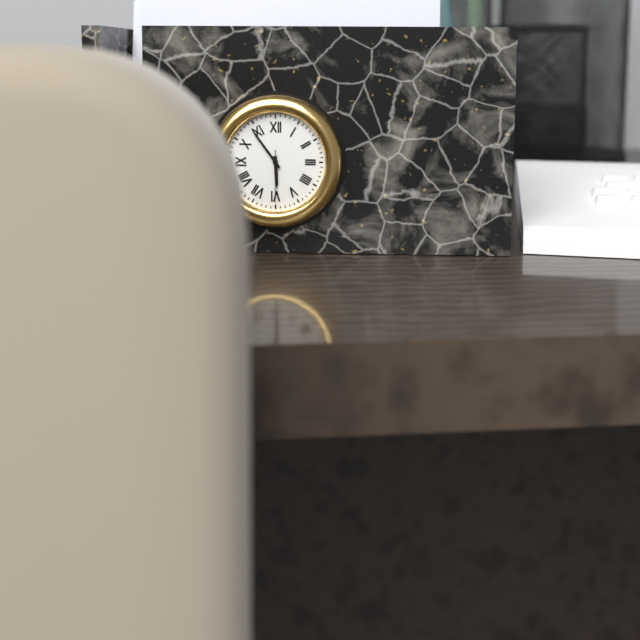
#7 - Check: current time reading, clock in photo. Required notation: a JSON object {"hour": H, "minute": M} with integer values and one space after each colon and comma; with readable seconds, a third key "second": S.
{"hour": 5, "minute": 54, "second": 30}
